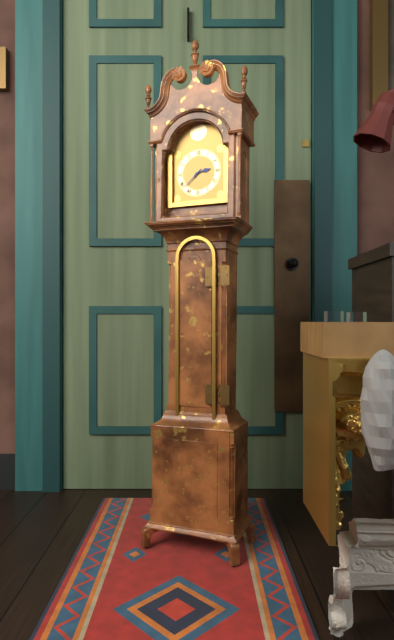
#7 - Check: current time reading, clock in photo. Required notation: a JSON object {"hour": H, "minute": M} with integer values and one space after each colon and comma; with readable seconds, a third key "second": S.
{"hour": 2, "minute": 38}
